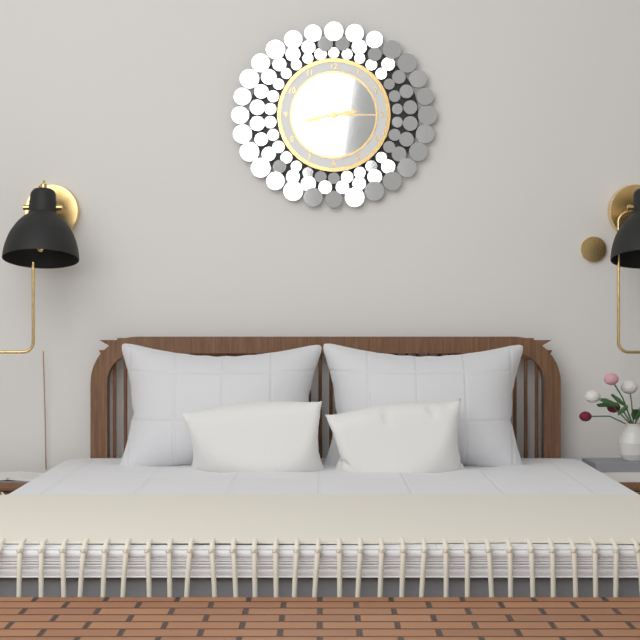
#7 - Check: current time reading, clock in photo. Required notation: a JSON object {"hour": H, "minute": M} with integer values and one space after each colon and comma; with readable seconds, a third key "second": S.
{"hour": 2, "minute": 43}
